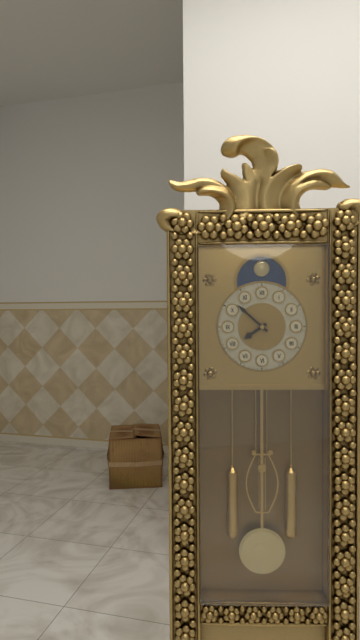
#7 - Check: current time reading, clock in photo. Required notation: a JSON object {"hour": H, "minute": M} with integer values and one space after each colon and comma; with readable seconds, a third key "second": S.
{"hour": 7, "minute": 52}
